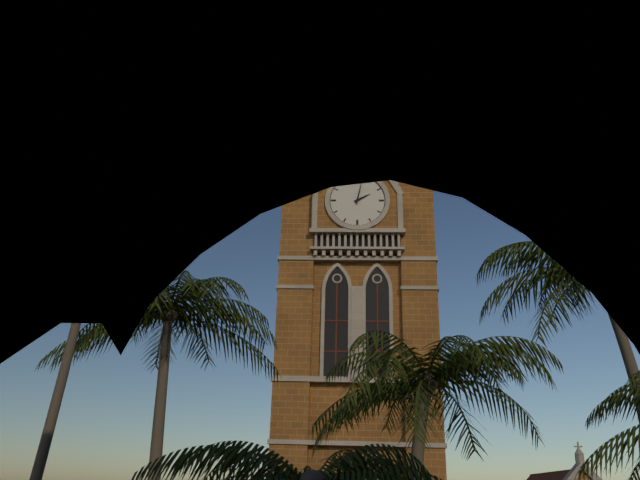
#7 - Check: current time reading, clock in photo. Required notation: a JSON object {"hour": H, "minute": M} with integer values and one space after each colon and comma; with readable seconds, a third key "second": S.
{"hour": 2, "minute": 2}
